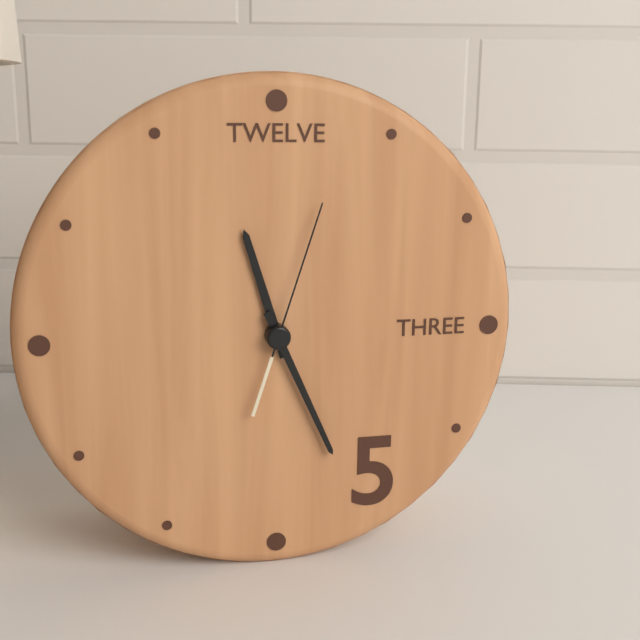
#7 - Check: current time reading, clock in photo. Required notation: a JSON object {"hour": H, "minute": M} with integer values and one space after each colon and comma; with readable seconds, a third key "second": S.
{"hour": 11, "minute": 26, "second": 3}
